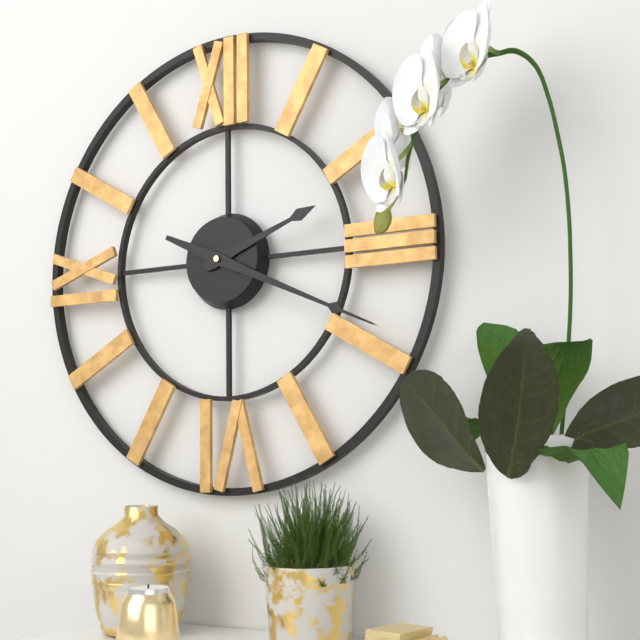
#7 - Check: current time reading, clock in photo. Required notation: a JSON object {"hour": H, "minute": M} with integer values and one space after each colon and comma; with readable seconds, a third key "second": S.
{"hour": 2, "minute": 19}
